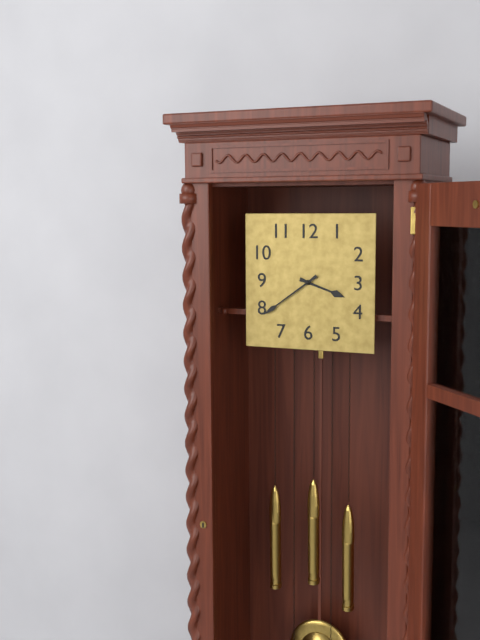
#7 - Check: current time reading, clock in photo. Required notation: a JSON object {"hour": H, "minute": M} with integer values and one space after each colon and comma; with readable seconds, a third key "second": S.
{"hour": 3, "minute": 39}
